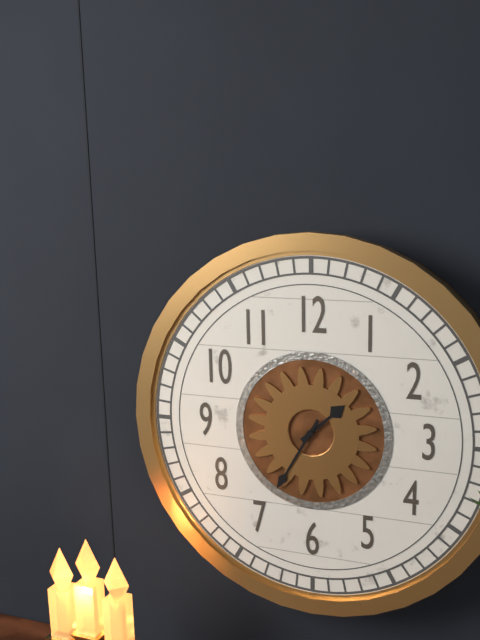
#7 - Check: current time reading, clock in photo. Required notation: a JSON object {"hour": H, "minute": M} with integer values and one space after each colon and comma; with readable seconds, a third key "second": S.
{"hour": 1, "minute": 35}
